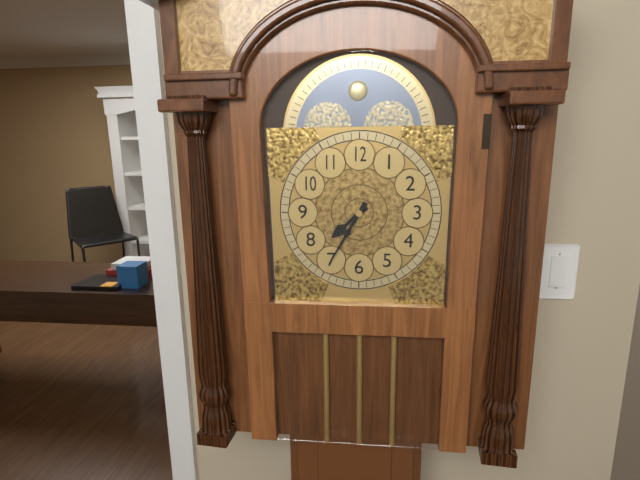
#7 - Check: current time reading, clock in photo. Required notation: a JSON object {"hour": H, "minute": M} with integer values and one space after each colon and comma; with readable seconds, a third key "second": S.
{"hour": 7, "minute": 35}
